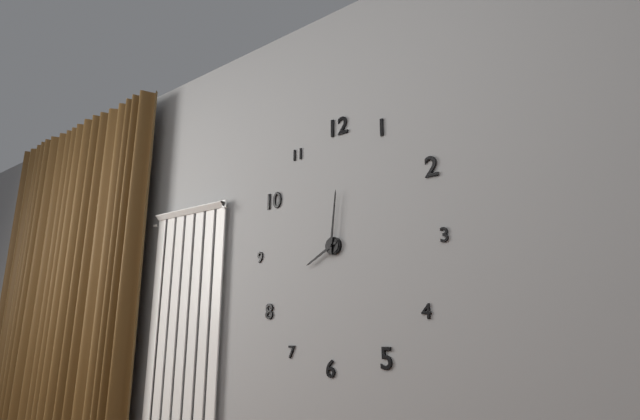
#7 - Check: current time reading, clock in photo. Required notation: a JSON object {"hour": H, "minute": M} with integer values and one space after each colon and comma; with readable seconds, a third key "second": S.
{"hour": 8, "minute": 1}
